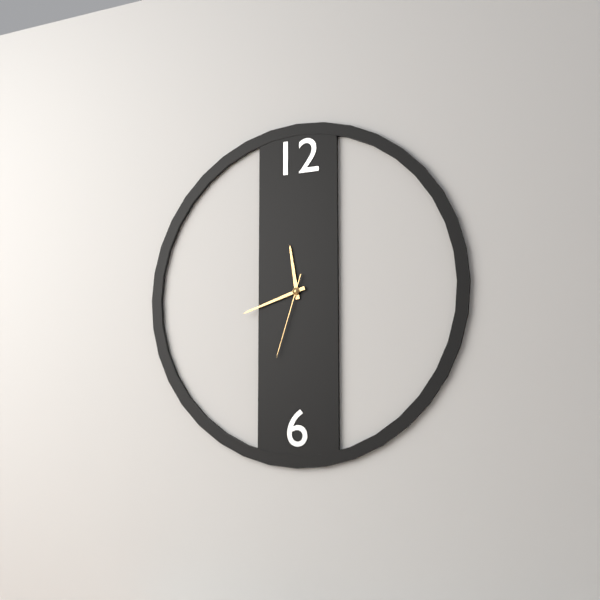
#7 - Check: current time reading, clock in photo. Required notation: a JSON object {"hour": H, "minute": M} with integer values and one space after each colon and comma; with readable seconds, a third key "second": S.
{"hour": 11, "minute": 42, "second": 33}
